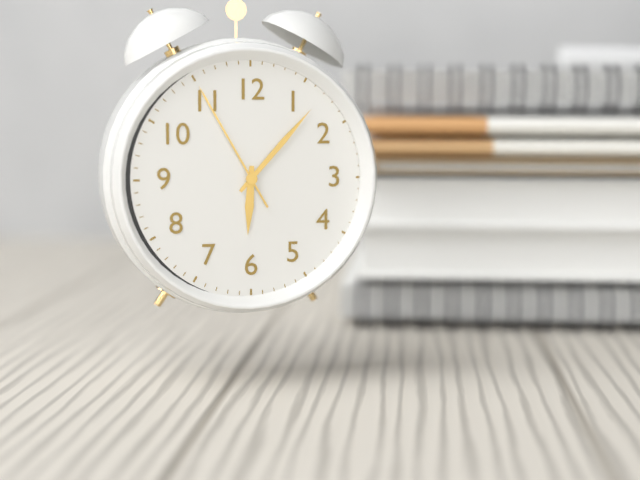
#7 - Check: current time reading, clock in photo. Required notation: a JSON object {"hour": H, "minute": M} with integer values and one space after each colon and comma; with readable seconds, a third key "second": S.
{"hour": 6, "minute": 7, "second": 55}
